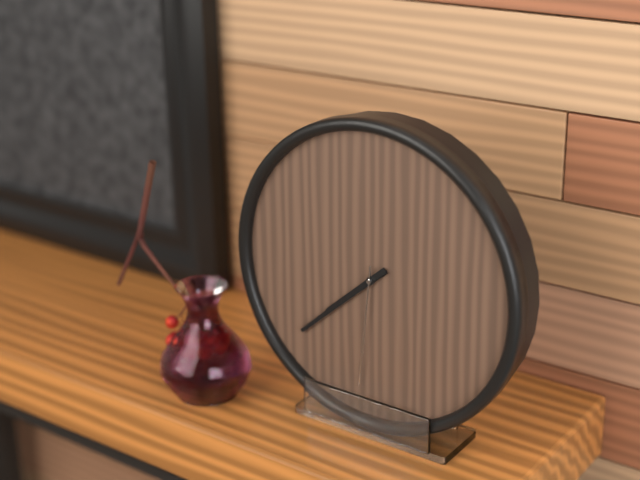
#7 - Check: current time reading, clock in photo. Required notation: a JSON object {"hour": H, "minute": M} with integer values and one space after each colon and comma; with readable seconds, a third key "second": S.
{"hour": 7, "minute": 38, "second": 31}
